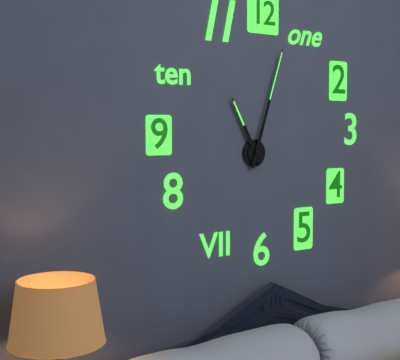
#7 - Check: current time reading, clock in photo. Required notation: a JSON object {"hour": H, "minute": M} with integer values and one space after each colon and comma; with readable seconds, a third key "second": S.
{"hour": 11, "minute": 3}
